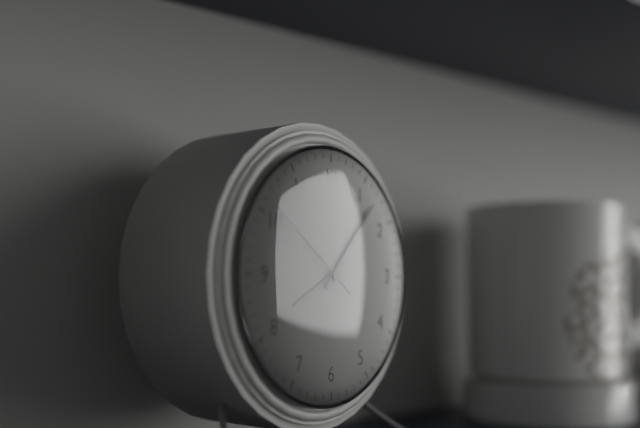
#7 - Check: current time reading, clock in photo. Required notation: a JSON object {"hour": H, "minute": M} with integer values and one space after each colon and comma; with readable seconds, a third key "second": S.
{"hour": 8, "minute": 7, "second": 51}
